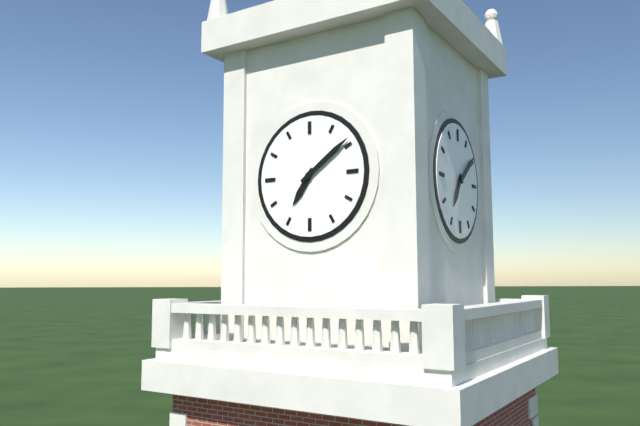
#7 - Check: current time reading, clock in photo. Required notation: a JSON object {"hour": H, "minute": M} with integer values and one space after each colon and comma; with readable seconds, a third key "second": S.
{"hour": 7, "minute": 9}
